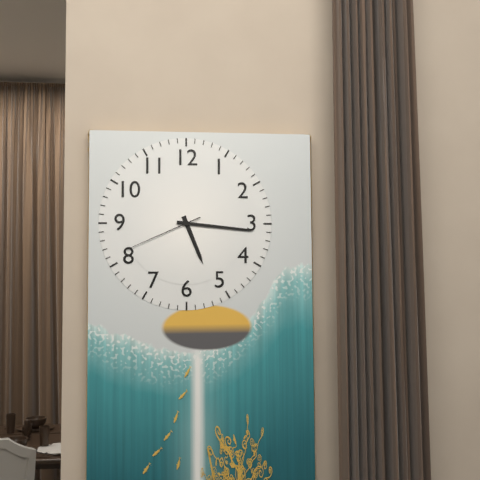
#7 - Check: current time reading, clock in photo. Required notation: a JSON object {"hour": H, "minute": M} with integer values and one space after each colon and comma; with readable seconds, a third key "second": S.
{"hour": 5, "minute": 16, "second": 41}
